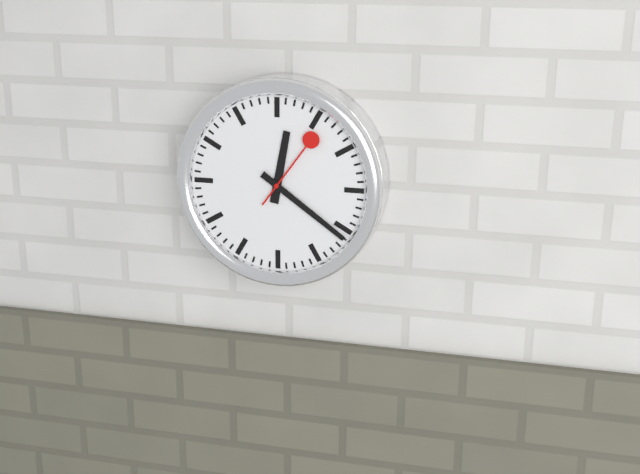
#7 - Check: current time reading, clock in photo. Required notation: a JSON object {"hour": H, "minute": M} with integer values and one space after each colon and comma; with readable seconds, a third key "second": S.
{"hour": 12, "minute": 21, "second": 6}
